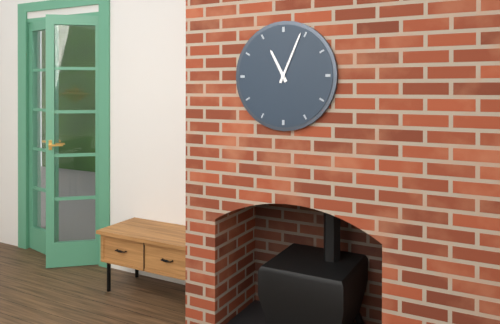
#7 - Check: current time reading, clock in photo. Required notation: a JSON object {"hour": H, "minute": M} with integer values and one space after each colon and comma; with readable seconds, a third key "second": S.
{"hour": 11, "minute": 4}
